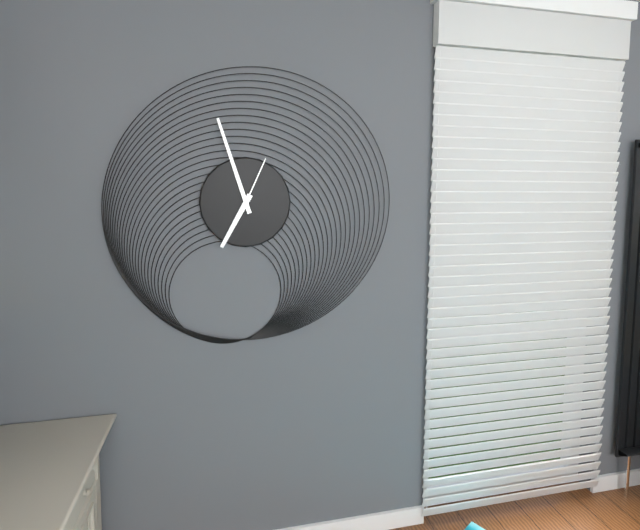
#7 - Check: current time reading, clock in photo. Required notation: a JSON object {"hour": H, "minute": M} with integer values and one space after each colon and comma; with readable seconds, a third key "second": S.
{"hour": 6, "minute": 57, "second": 4}
